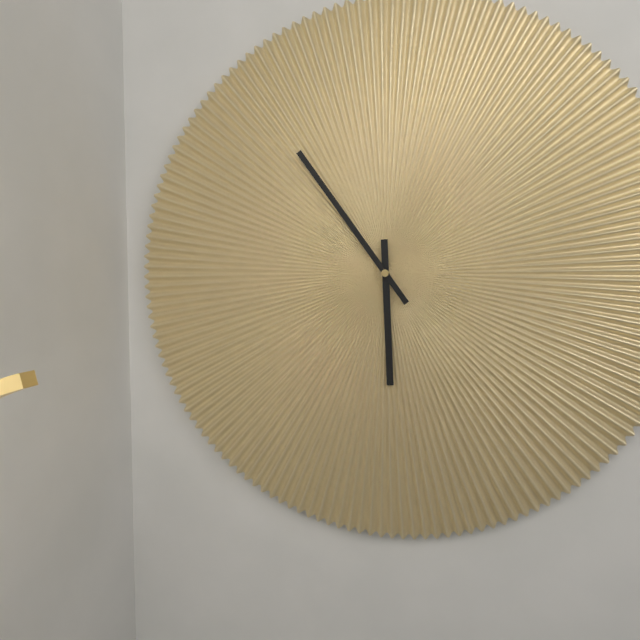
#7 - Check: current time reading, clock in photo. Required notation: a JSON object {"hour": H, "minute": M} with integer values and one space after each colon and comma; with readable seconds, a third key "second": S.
{"hour": 5, "minute": 54}
